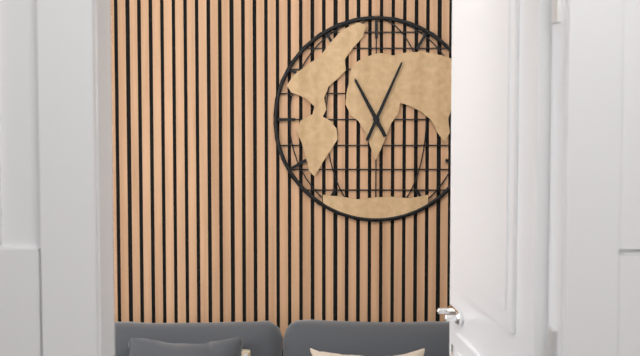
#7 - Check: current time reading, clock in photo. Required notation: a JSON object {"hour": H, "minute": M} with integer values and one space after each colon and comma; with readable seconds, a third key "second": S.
{"hour": 11, "minute": 4}
